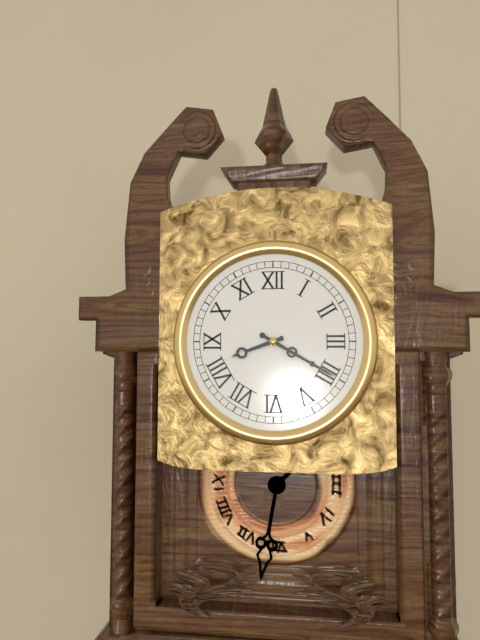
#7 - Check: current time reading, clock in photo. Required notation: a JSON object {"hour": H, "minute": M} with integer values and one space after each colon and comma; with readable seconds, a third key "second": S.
{"hour": 8, "minute": 20}
